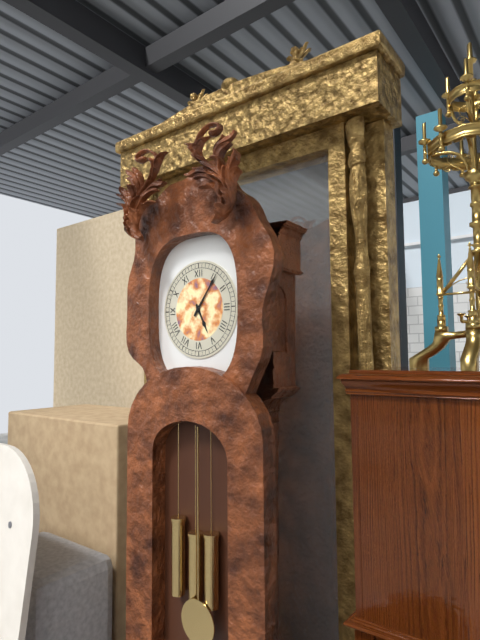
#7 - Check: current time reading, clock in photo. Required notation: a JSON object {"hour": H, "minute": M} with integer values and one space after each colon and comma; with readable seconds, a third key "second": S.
{"hour": 5, "minute": 6}
